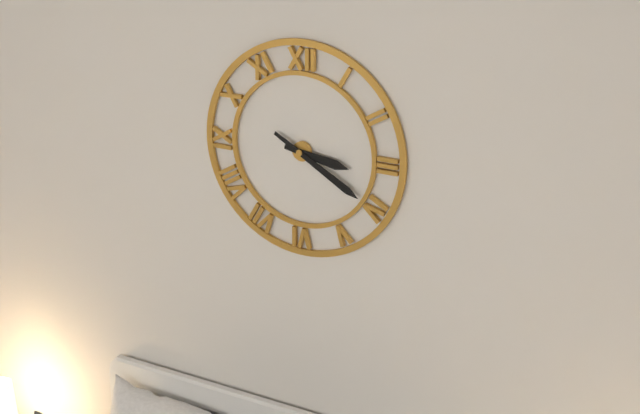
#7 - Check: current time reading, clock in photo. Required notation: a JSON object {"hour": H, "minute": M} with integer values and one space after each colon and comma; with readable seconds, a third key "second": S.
{"hour": 3, "minute": 20}
